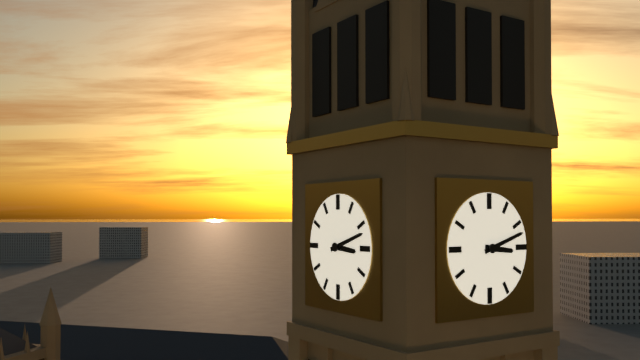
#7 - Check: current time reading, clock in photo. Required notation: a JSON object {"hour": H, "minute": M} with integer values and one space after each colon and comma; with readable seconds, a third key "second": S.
{"hour": 3, "minute": 12}
